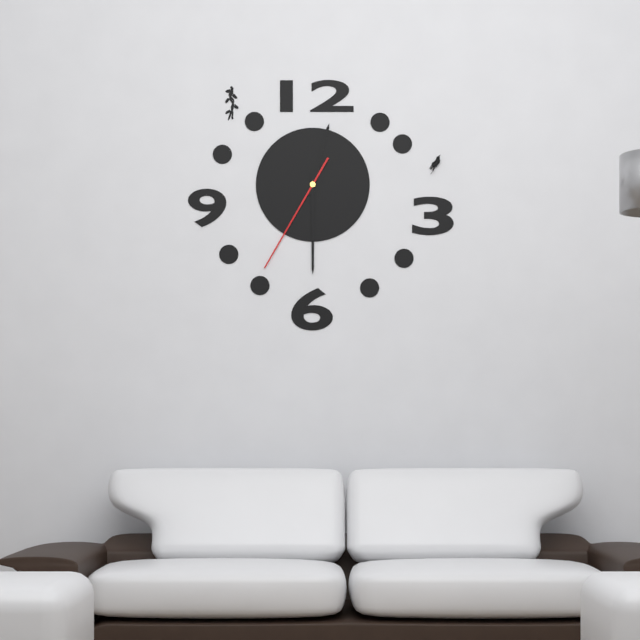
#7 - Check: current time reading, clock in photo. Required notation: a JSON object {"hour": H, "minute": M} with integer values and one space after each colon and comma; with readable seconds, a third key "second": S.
{"hour": 12, "minute": 30, "second": 35}
